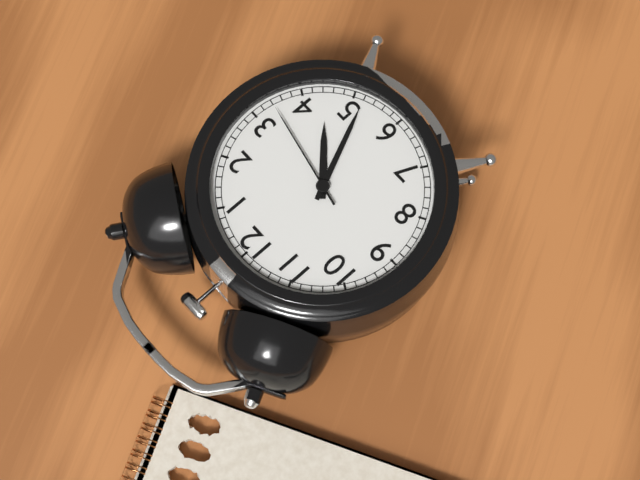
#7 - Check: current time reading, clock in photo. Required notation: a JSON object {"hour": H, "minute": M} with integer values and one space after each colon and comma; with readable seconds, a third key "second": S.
{"hour": 4, "minute": 26, "second": 17}
